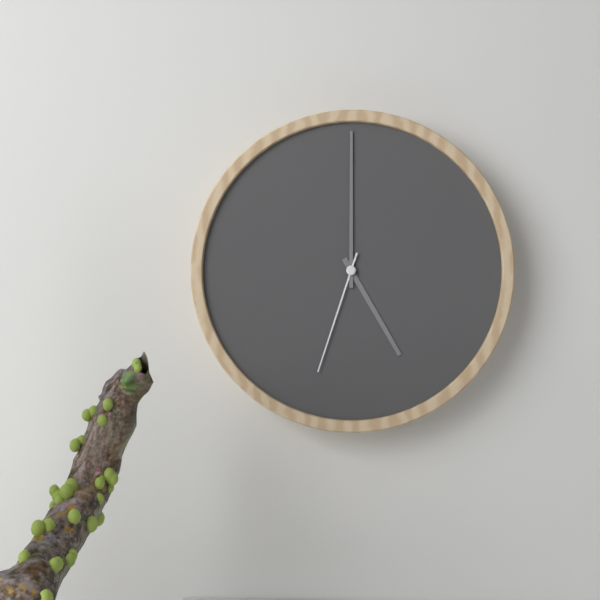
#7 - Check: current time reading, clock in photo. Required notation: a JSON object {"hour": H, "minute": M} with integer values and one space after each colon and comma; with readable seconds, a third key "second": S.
{"hour": 5, "minute": 0, "second": 33}
